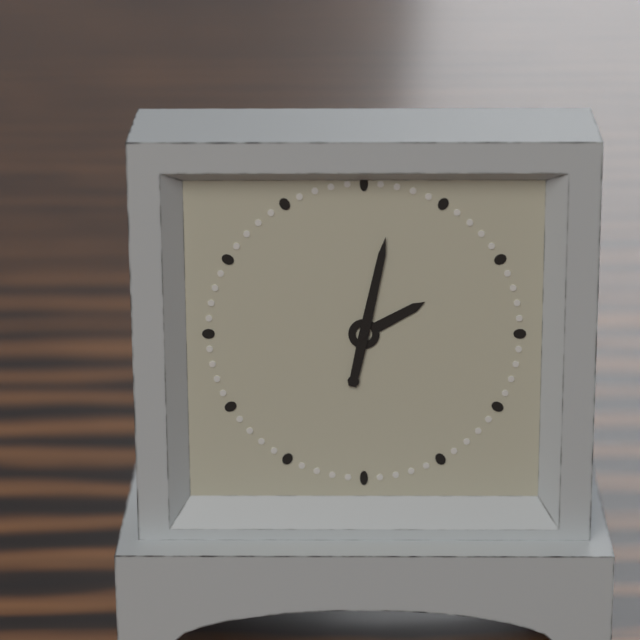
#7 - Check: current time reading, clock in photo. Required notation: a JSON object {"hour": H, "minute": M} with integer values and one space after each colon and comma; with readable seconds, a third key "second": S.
{"hour": 2, "minute": 2}
